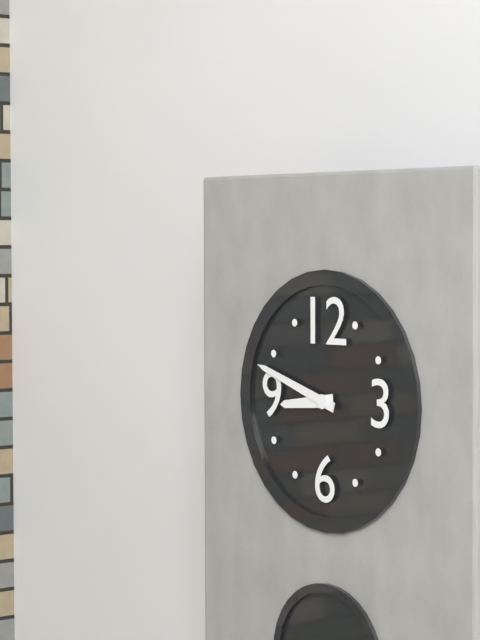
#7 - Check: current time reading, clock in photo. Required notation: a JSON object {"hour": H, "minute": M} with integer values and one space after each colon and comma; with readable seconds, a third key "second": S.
{"hour": 8, "minute": 48}
